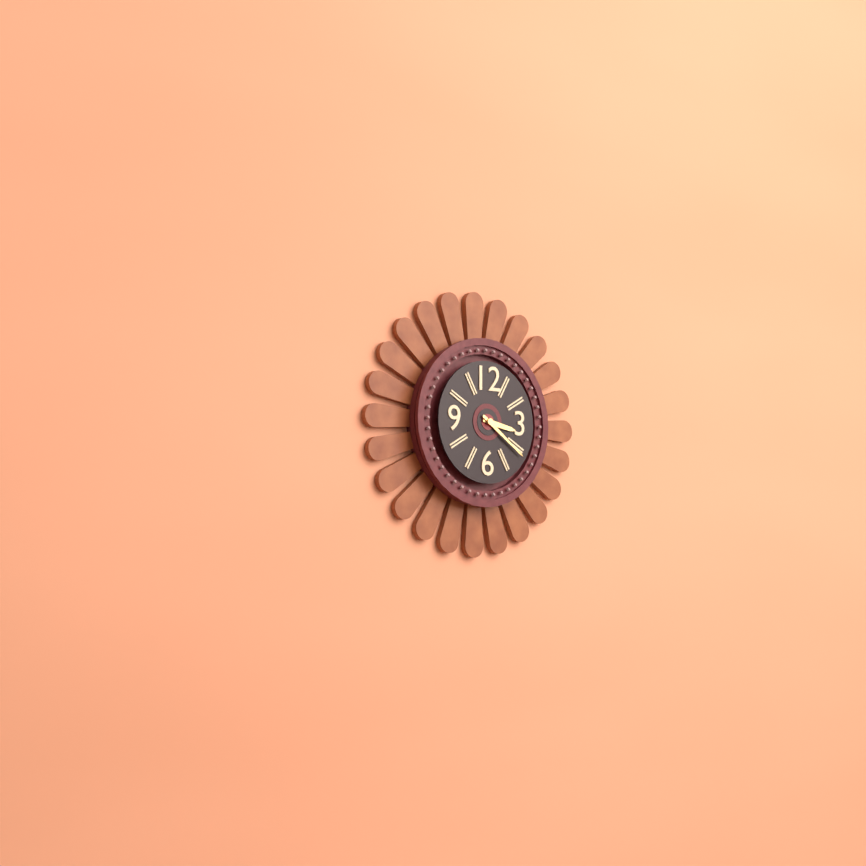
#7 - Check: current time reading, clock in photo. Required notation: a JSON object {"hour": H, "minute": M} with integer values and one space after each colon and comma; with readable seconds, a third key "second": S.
{"hour": 3, "minute": 21}
